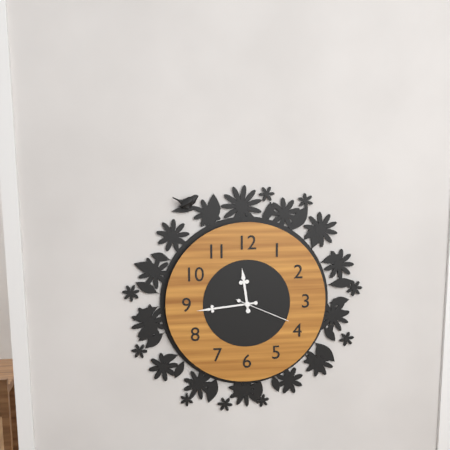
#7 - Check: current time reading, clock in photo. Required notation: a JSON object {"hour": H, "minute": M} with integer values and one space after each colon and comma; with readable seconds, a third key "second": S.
{"hour": 11, "minute": 44, "second": 19}
